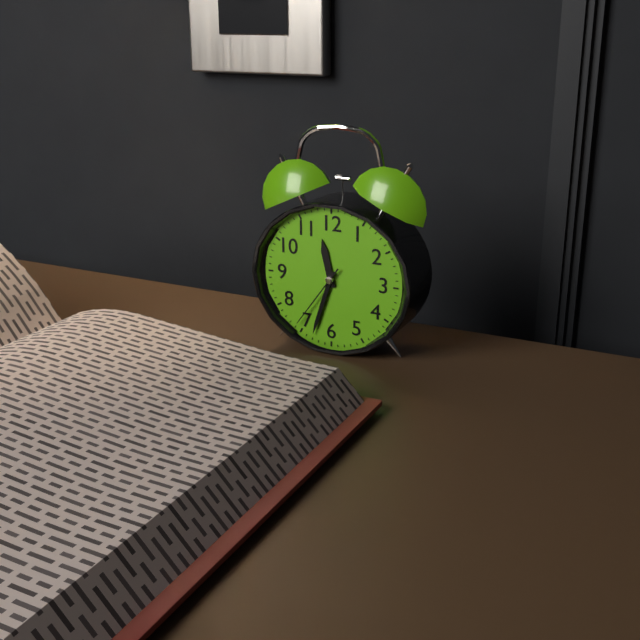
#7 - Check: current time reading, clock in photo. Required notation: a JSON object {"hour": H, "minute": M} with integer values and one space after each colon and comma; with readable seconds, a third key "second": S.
{"hour": 11, "minute": 33, "second": 36}
